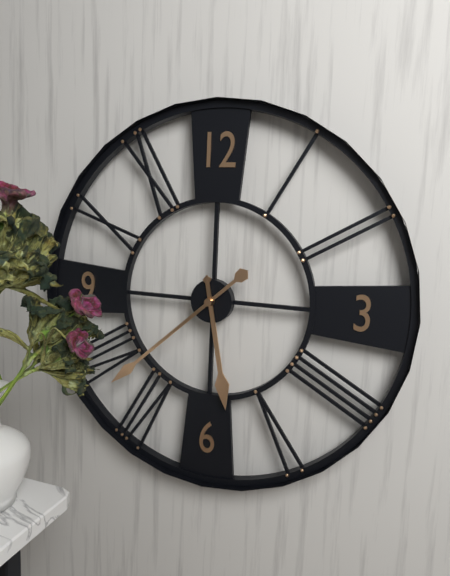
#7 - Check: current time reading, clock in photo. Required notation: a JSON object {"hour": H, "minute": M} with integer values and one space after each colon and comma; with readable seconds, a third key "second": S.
{"hour": 5, "minute": 38}
